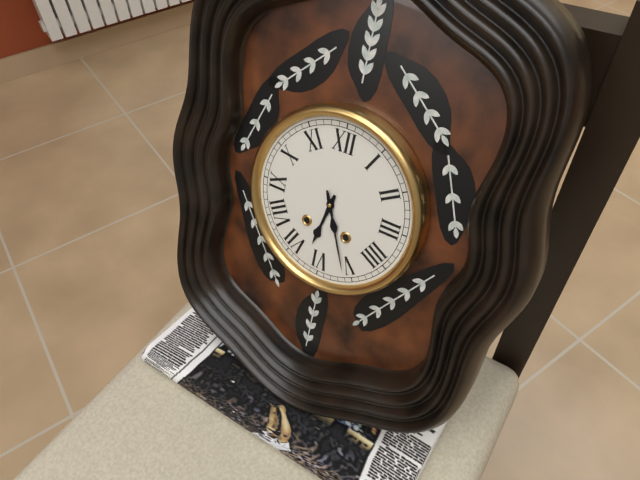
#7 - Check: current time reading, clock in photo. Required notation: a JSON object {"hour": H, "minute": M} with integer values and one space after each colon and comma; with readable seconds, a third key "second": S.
{"hour": 6, "minute": 26}
